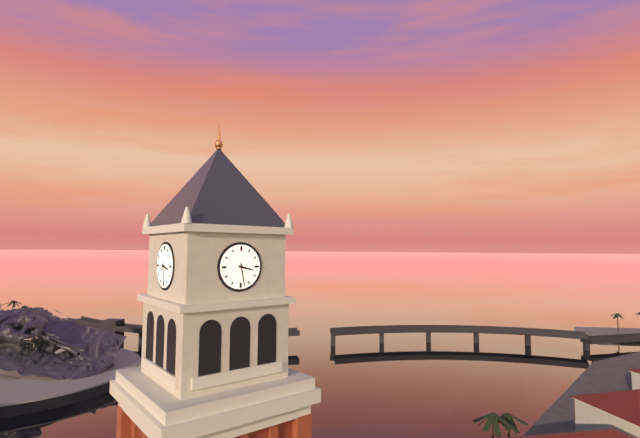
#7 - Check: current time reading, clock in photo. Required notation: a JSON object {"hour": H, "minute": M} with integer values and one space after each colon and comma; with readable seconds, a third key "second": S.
{"hour": 3, "minute": 28}
